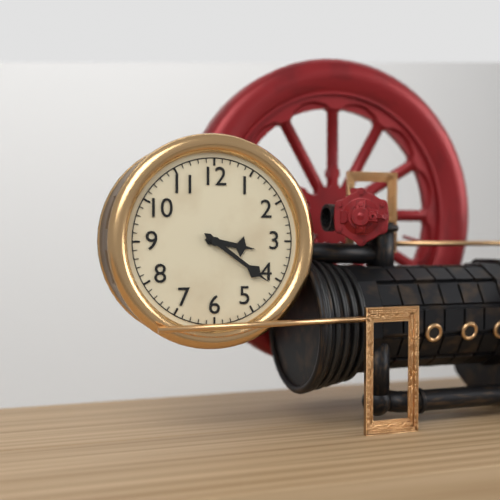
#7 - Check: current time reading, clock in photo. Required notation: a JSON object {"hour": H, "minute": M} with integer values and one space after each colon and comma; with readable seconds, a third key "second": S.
{"hour": 3, "minute": 21}
